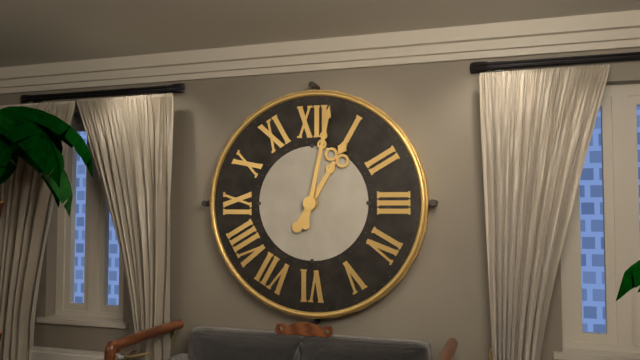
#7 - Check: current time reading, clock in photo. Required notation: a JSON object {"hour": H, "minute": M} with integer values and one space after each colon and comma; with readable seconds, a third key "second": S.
{"hour": 1, "minute": 2}
